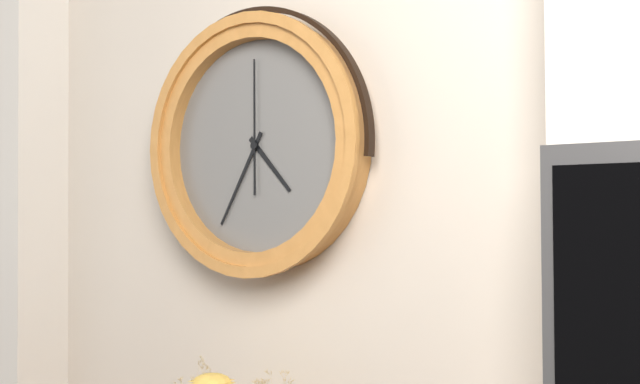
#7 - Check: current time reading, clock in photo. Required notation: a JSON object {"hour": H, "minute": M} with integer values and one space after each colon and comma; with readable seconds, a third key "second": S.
{"hour": 4, "minute": 35, "second": 0}
